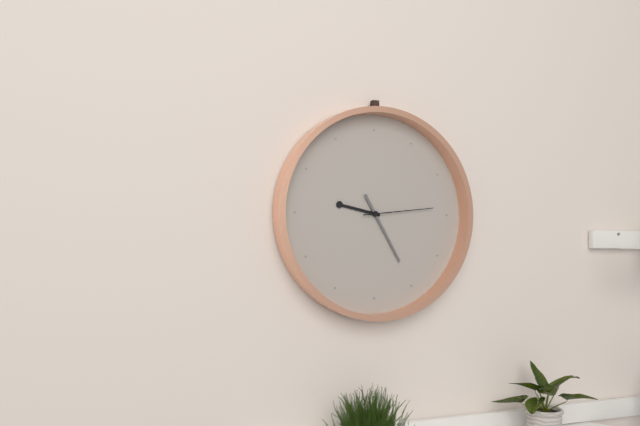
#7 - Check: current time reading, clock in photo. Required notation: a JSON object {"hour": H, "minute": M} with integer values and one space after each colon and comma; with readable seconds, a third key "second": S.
{"hour": 9, "minute": 25, "second": 14}
